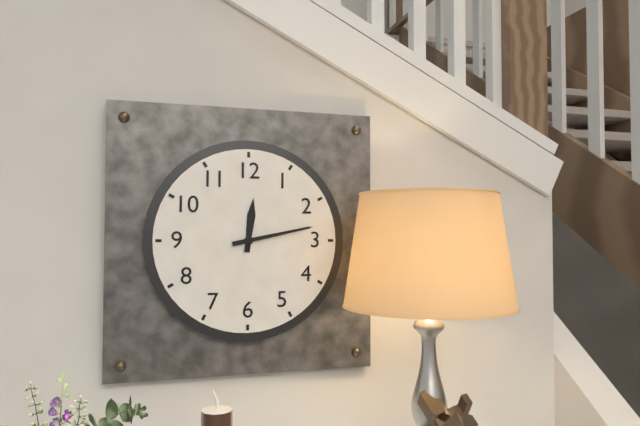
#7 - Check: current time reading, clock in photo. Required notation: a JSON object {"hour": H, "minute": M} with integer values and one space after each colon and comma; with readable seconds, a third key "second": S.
{"hour": 12, "minute": 13}
